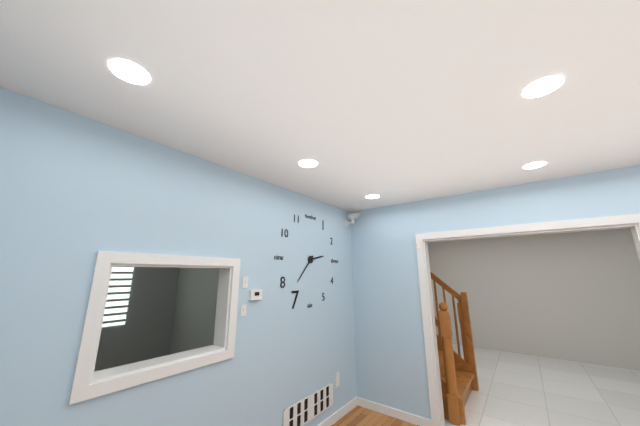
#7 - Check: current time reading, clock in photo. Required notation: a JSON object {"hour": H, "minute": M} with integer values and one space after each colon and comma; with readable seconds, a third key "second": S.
{"hour": 2, "minute": 37}
